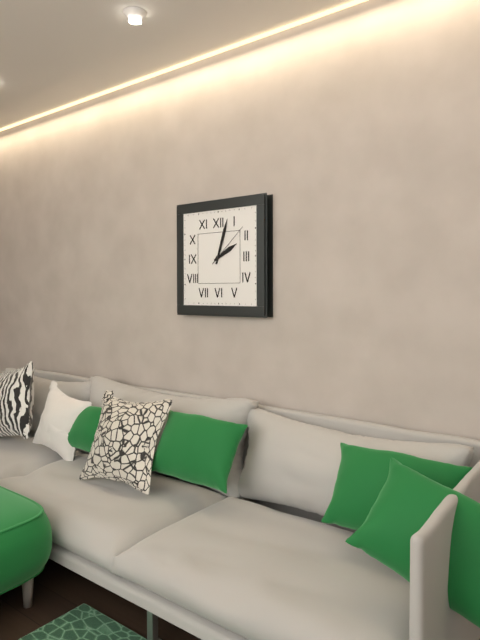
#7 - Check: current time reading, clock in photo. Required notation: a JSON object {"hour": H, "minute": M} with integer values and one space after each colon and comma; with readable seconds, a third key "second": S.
{"hour": 2, "minute": 3}
